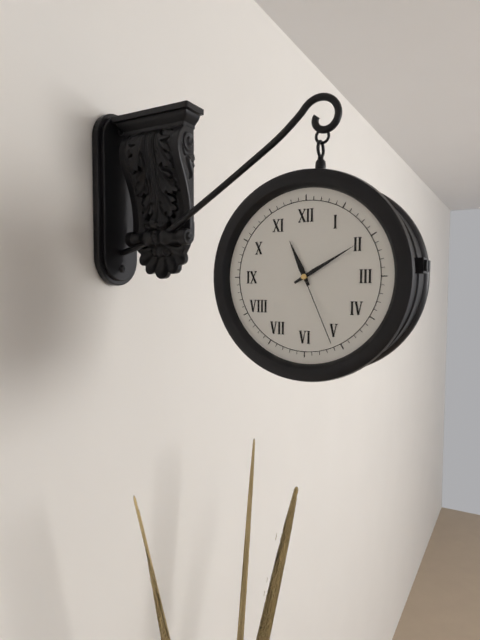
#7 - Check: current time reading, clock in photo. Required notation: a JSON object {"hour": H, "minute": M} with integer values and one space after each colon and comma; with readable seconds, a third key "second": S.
{"hour": 11, "minute": 10, "second": 26}
